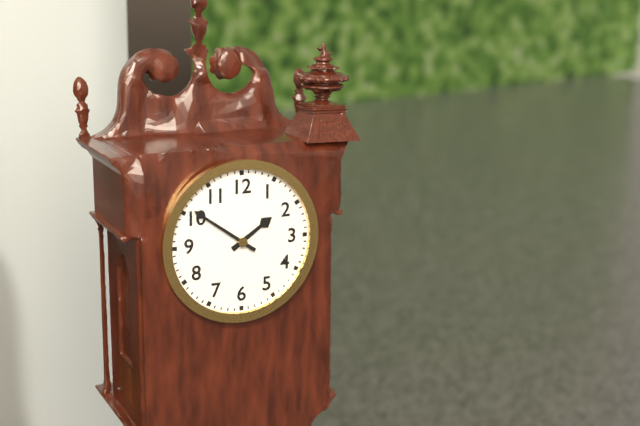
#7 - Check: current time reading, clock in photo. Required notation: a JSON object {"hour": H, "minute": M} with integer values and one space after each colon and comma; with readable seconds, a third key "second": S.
{"hour": 1, "minute": 51}
